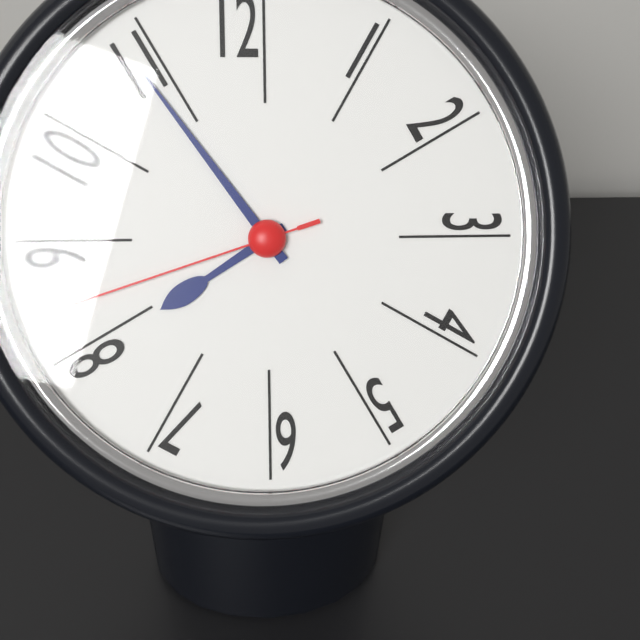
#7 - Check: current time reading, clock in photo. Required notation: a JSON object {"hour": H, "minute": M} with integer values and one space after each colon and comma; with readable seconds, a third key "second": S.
{"hour": 7, "minute": 54, "second": 42}
